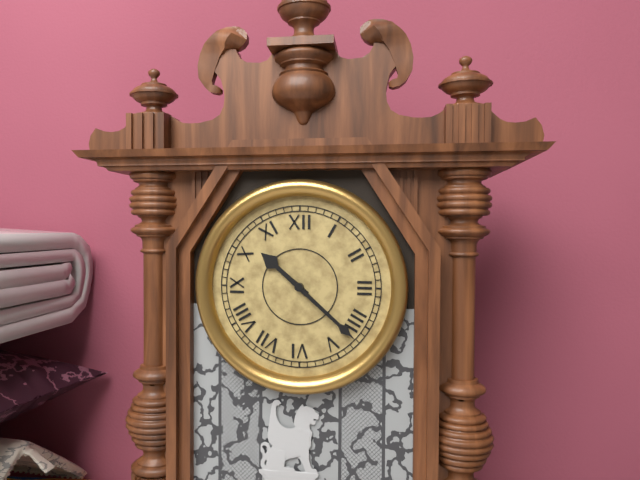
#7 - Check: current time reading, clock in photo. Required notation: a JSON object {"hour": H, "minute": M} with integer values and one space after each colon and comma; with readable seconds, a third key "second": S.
{"hour": 10, "minute": 22}
